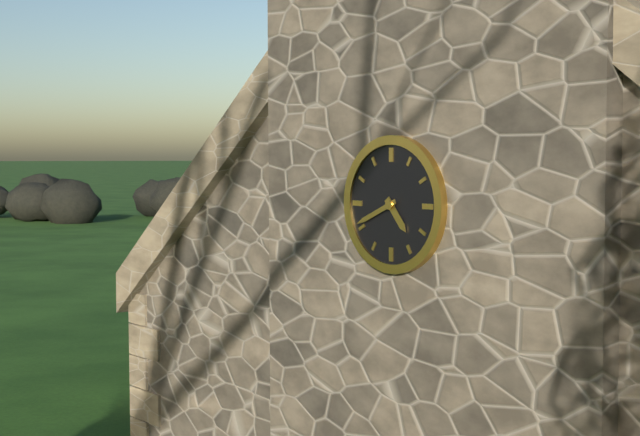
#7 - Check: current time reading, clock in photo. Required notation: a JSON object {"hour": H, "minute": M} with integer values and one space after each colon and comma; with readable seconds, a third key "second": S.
{"hour": 4, "minute": 41}
